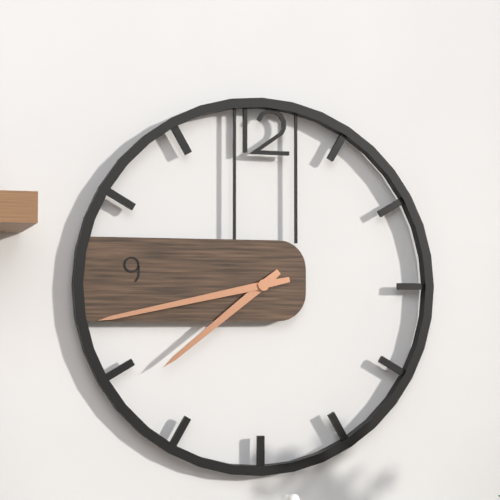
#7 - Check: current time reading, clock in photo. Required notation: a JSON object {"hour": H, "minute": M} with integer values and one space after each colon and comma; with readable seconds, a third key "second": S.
{"hour": 7, "minute": 43}
